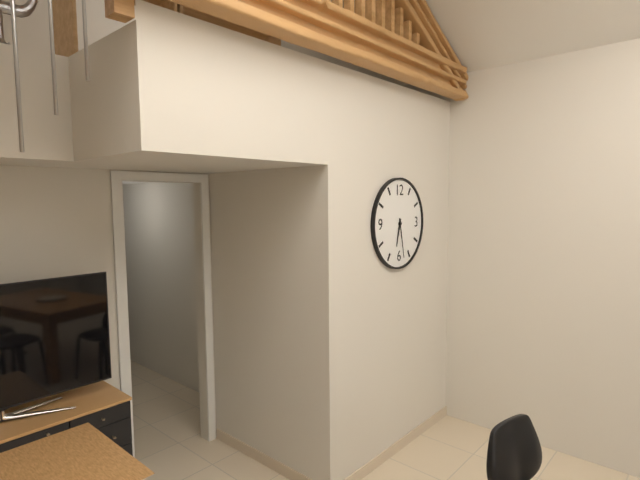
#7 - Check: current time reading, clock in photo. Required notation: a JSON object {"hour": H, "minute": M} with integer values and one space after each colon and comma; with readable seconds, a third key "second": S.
{"hour": 6, "minute": 28}
